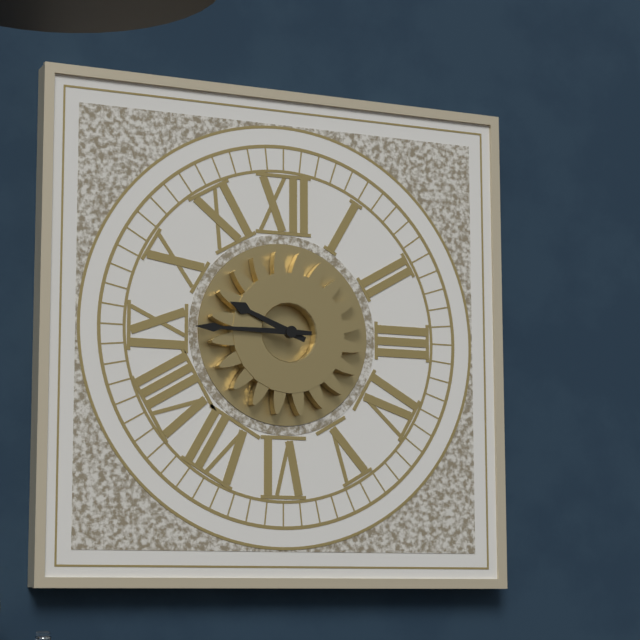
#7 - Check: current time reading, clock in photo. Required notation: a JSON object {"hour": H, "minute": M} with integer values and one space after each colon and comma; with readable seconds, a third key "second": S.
{"hour": 9, "minute": 45}
